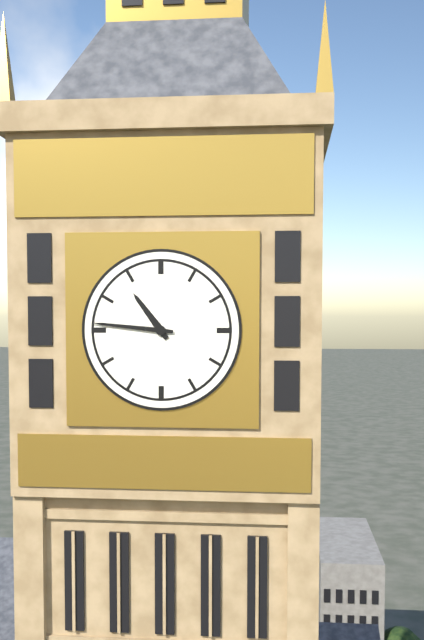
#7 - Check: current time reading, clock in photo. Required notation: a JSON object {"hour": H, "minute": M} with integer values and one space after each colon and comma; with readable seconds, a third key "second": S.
{"hour": 10, "minute": 46}
